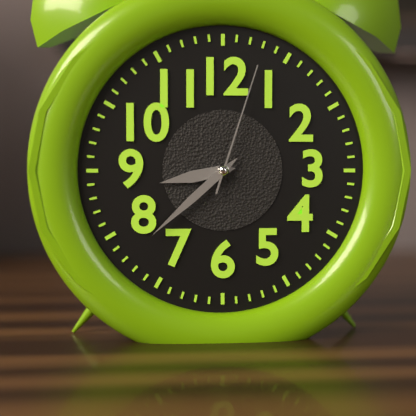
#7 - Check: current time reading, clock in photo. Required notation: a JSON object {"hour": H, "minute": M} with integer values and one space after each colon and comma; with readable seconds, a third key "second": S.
{"hour": 8, "minute": 38, "second": 3}
